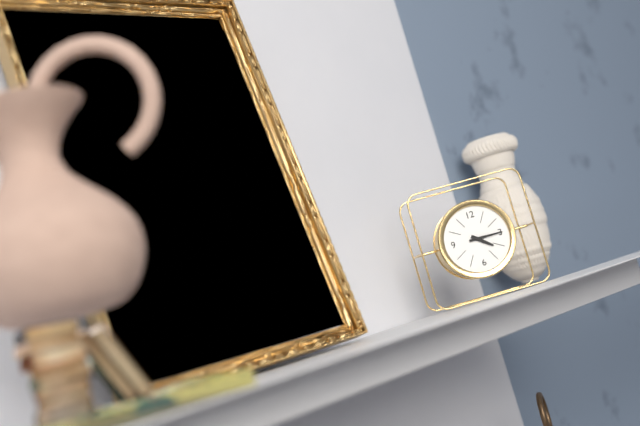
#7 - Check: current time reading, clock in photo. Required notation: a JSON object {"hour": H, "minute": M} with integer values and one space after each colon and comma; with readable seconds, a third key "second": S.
{"hour": 4, "minute": 15}
